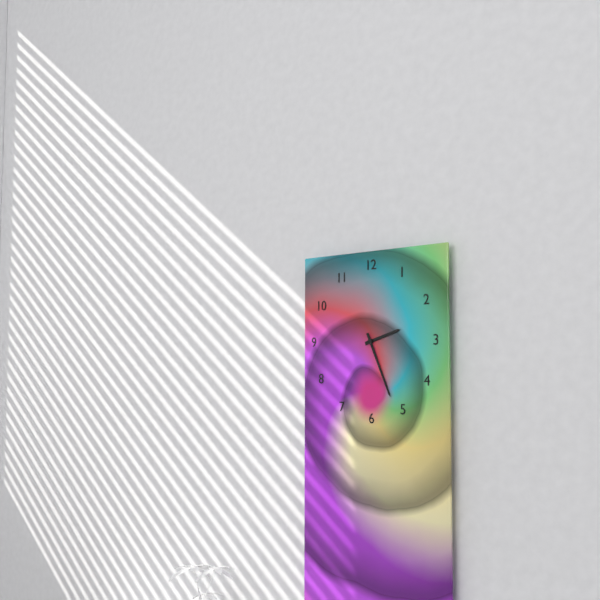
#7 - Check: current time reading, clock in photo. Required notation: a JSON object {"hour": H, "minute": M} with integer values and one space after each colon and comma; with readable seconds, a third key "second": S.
{"hour": 2, "minute": 26}
